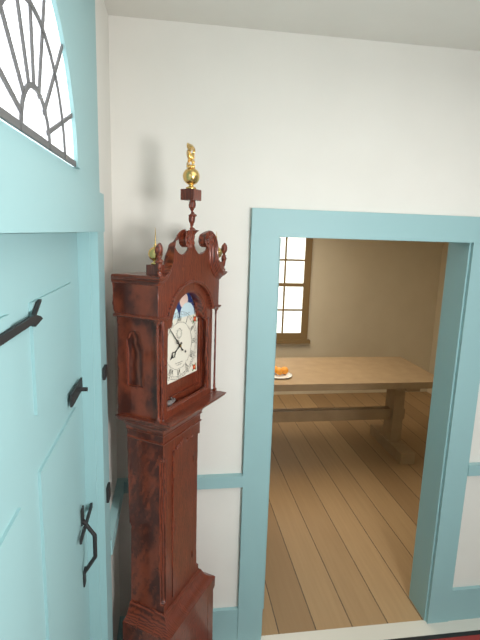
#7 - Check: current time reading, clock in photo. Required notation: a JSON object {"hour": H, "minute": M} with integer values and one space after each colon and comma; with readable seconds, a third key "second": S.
{"hour": 7, "minute": 53}
